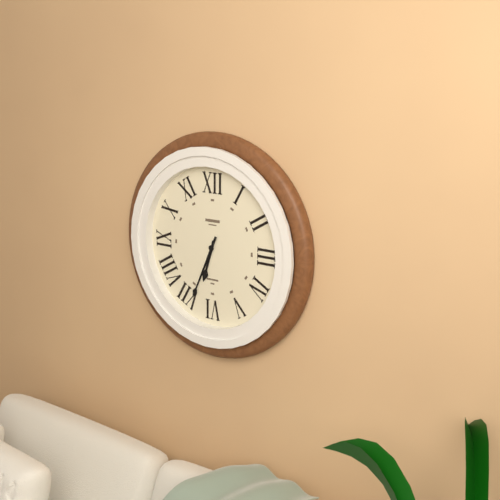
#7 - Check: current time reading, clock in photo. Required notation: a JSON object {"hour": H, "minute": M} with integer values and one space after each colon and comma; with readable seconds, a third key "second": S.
{"hour": 6, "minute": 34}
